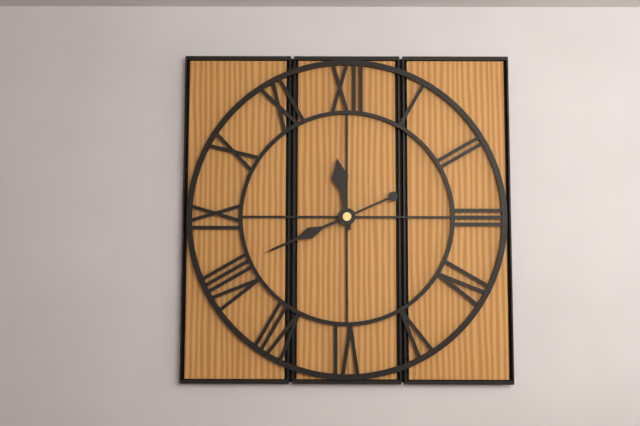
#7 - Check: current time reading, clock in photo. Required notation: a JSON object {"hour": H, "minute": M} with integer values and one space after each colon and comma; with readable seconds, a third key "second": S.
{"hour": 11, "minute": 41}
